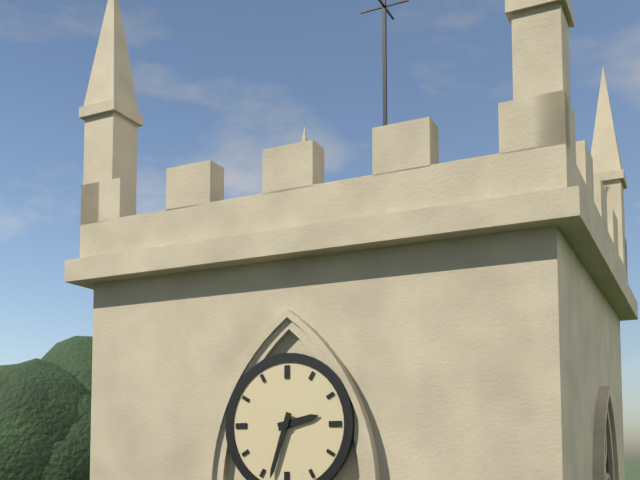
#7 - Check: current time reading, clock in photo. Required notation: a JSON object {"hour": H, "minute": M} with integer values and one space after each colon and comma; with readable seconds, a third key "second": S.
{"hour": 2, "minute": 33}
